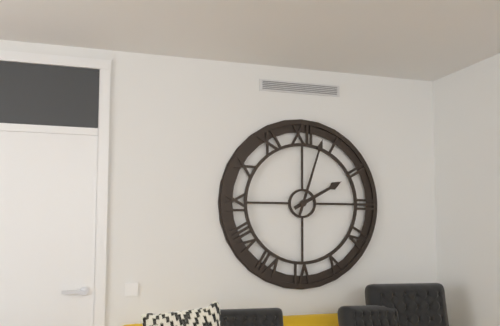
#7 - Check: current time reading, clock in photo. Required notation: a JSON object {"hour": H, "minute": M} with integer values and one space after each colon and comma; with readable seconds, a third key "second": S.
{"hour": 2, "minute": 3}
